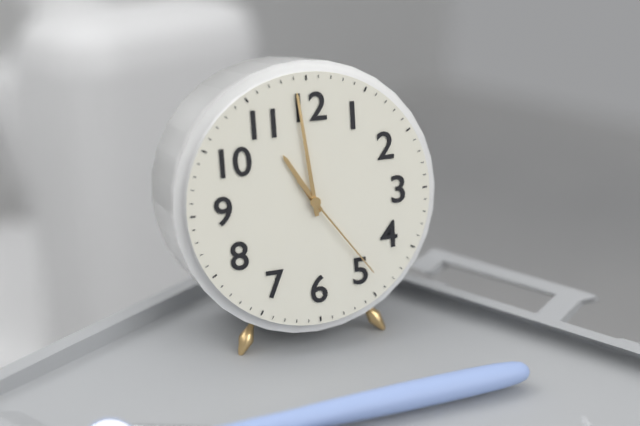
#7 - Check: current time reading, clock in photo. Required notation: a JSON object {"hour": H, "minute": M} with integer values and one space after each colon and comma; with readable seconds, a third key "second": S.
{"hour": 10, "minute": 59, "second": 24}
